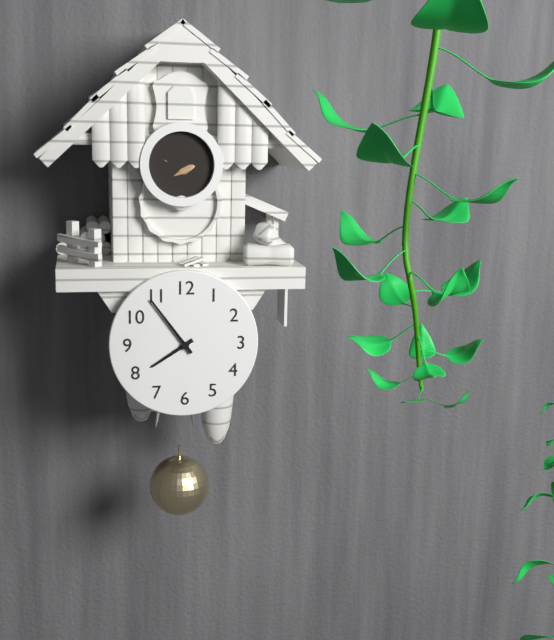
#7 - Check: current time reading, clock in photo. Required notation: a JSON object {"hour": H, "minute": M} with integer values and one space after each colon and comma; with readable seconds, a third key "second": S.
{"hour": 7, "minute": 54}
